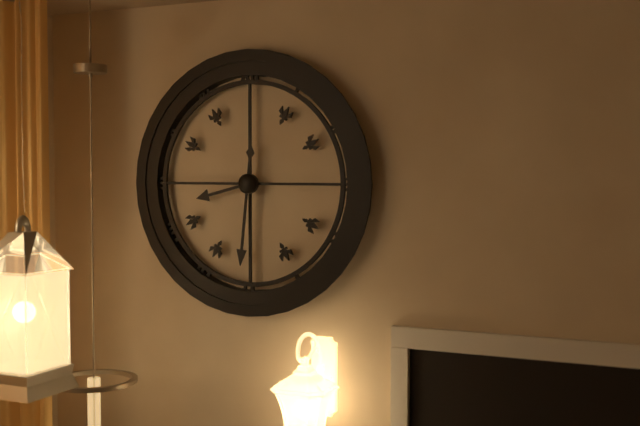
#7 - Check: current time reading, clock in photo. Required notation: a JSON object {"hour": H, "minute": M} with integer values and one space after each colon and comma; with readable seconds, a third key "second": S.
{"hour": 8, "minute": 31}
